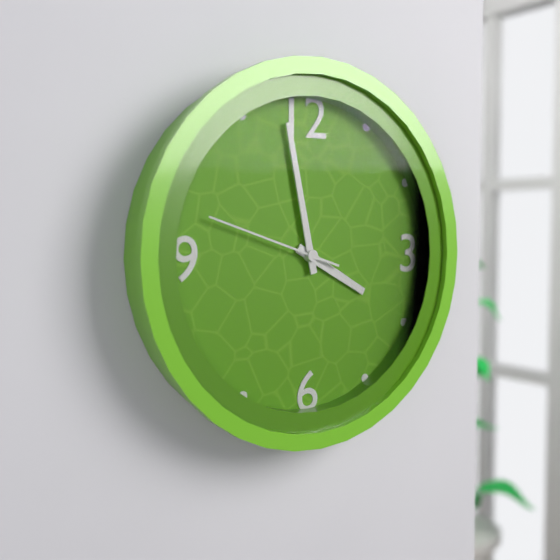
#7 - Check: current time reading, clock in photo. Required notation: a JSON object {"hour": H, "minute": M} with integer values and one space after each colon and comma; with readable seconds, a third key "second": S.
{"hour": 3, "minute": 58, "second": 48}
